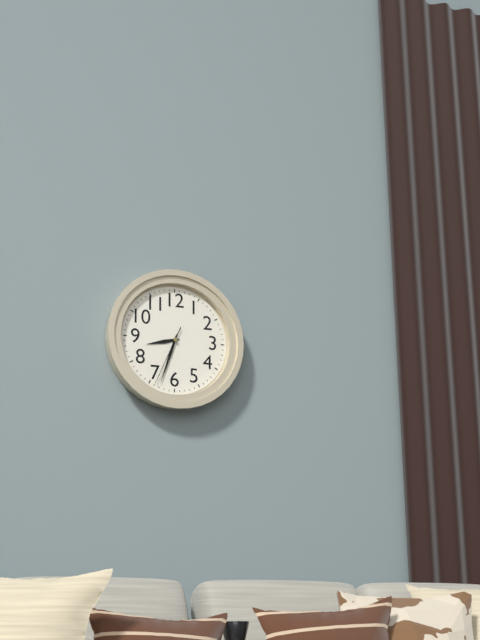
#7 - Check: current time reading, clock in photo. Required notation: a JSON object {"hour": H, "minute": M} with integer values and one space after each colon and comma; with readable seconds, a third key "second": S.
{"hour": 8, "minute": 33, "second": 34}
